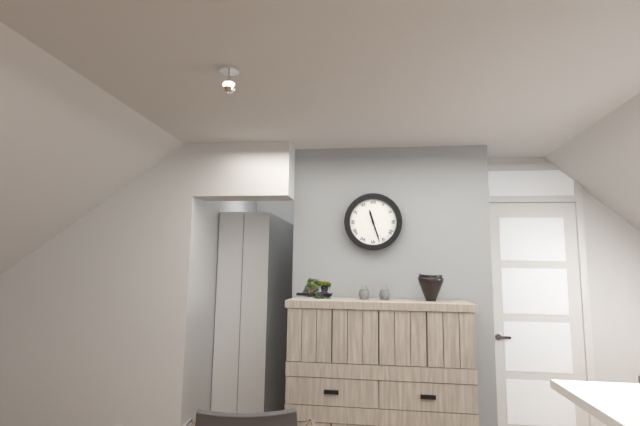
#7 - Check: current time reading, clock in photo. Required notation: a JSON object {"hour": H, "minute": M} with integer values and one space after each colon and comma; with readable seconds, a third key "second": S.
{"hour": 11, "minute": 27}
